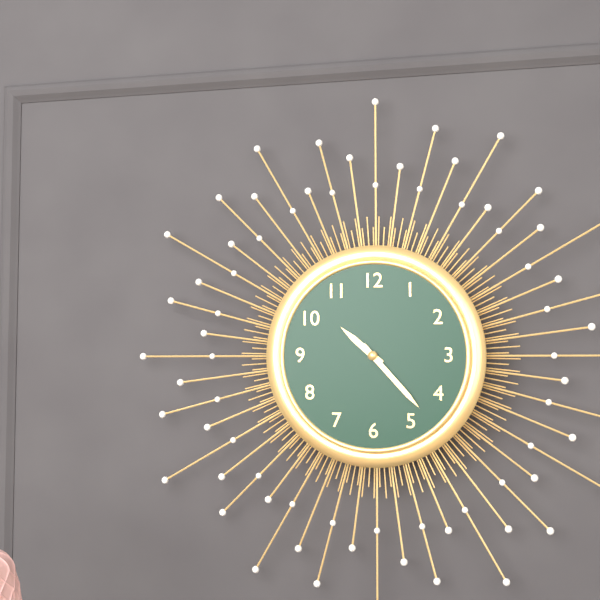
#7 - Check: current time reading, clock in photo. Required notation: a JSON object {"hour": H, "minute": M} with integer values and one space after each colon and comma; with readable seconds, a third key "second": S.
{"hour": 10, "minute": 23}
